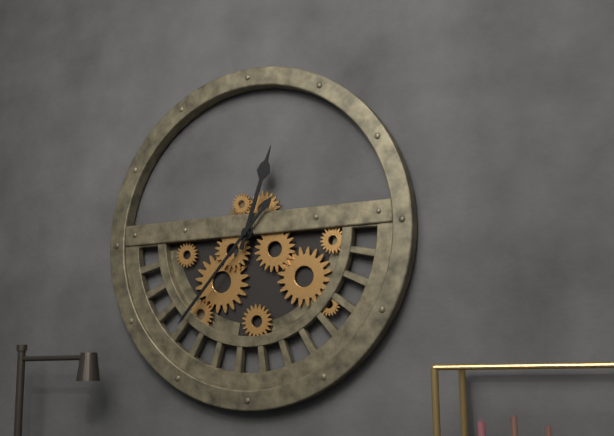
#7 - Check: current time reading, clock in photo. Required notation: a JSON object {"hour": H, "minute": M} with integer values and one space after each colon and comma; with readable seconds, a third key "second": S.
{"hour": 12, "minute": 37}
